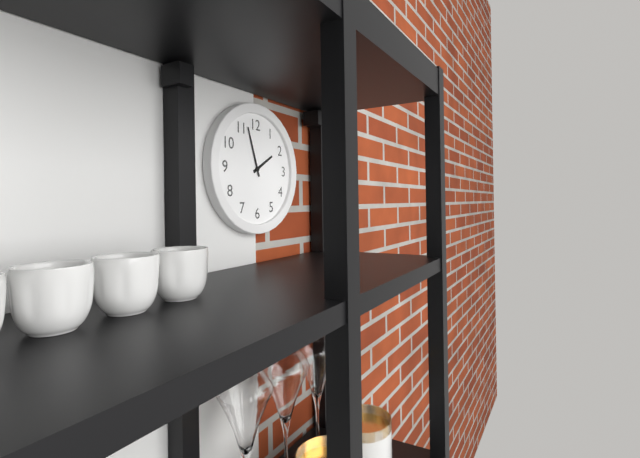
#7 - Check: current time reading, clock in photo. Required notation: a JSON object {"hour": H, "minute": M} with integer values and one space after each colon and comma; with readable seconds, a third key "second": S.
{"hour": 1, "minute": 57}
